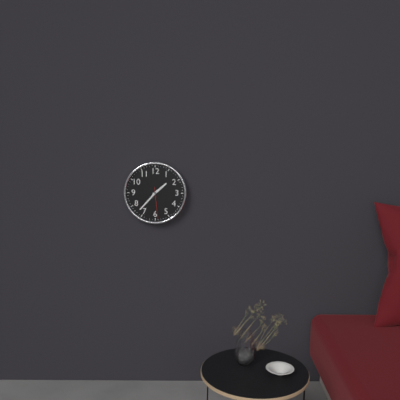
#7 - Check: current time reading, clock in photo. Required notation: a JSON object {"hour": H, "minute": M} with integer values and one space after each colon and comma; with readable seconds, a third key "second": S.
{"hour": 1, "minute": 37}
